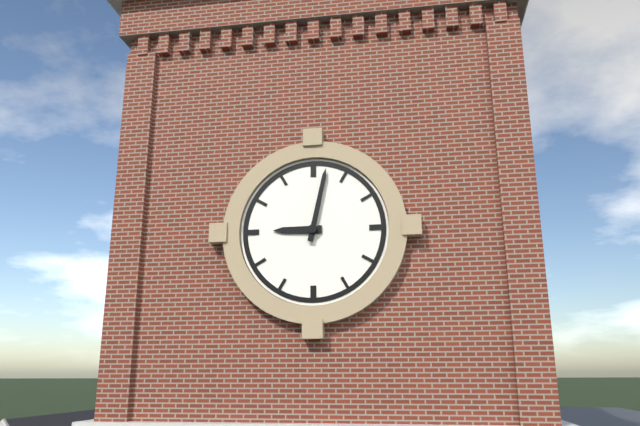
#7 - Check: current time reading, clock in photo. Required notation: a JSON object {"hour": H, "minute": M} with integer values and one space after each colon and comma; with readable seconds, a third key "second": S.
{"hour": 9, "minute": 2}
